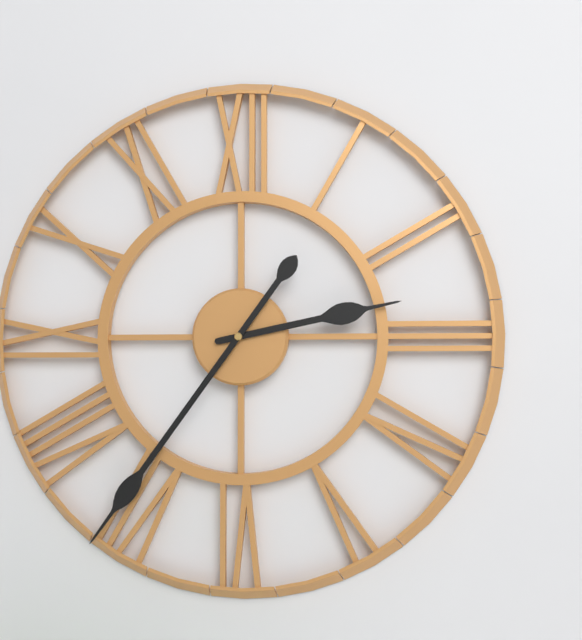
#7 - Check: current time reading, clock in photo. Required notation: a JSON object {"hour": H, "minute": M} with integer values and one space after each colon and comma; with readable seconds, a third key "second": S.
{"hour": 2, "minute": 36}
